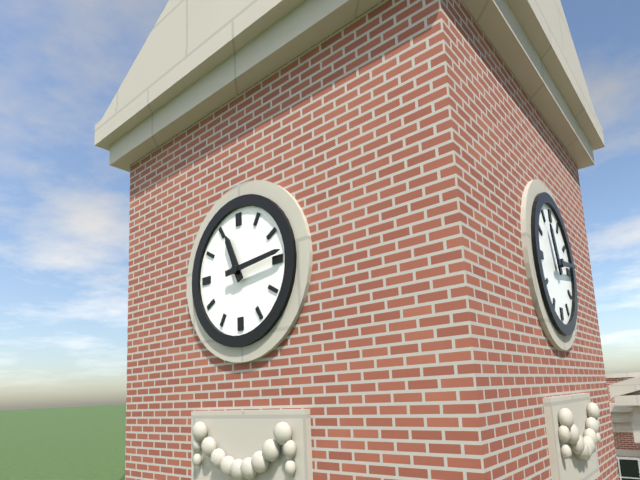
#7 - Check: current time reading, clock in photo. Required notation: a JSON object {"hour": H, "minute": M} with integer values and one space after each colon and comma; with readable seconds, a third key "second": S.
{"hour": 11, "minute": 14}
